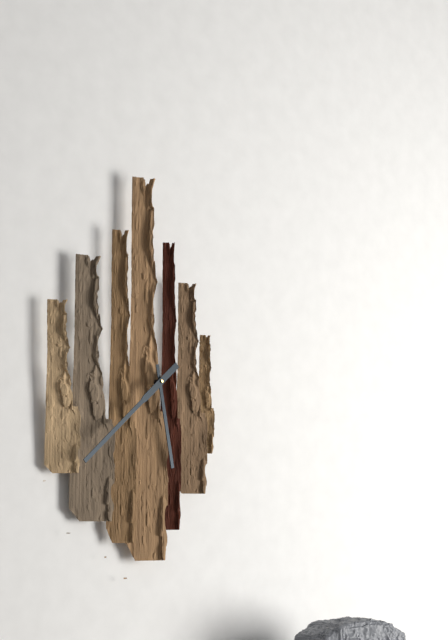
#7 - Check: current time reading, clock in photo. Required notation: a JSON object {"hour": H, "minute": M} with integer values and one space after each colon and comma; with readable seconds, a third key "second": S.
{"hour": 5, "minute": 38}
